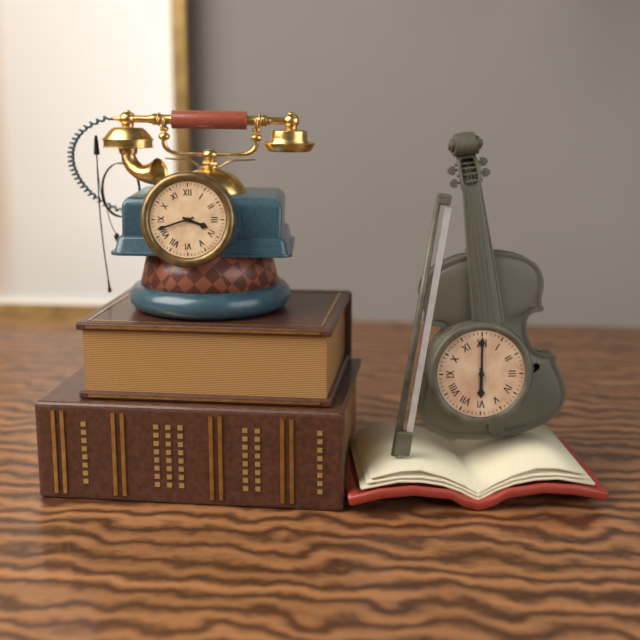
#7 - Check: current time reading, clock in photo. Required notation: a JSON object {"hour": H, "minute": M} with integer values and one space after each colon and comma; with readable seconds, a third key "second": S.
{"hour": 3, "minute": 42}
